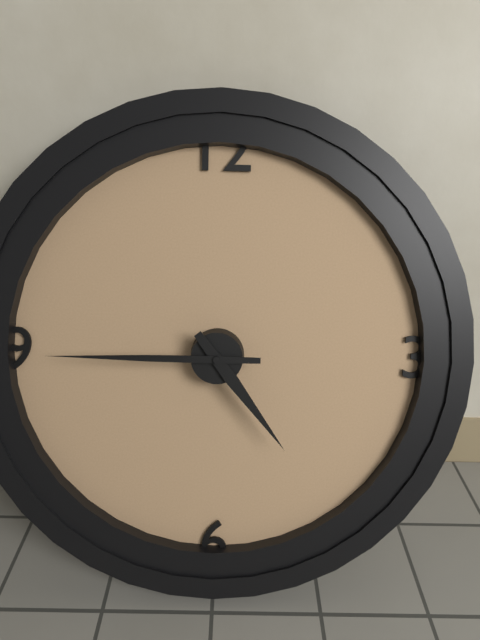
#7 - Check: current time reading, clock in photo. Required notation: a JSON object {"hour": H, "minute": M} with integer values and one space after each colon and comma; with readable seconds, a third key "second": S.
{"hour": 4, "minute": 45}
